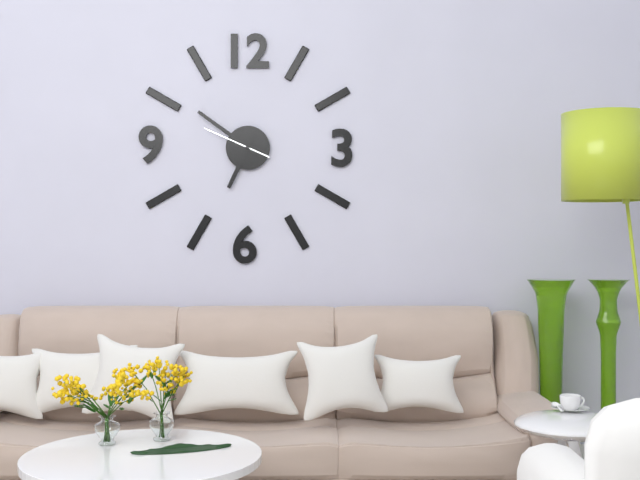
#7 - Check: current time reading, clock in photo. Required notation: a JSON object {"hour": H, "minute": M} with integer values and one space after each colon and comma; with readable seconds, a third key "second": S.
{"hour": 6, "minute": 51, "second": 49}
